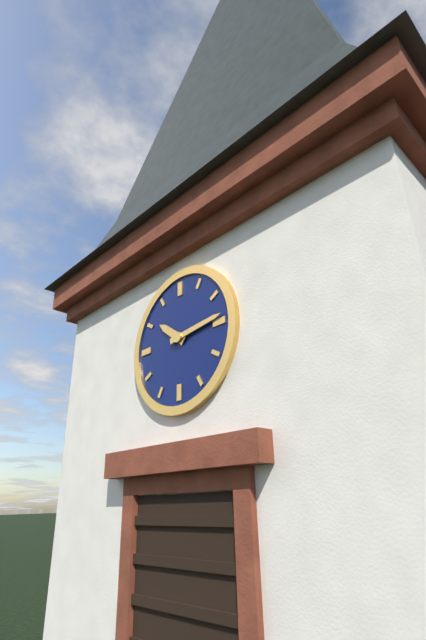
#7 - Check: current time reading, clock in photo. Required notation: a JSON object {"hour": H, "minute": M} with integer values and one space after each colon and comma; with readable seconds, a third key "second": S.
{"hour": 10, "minute": 14}
